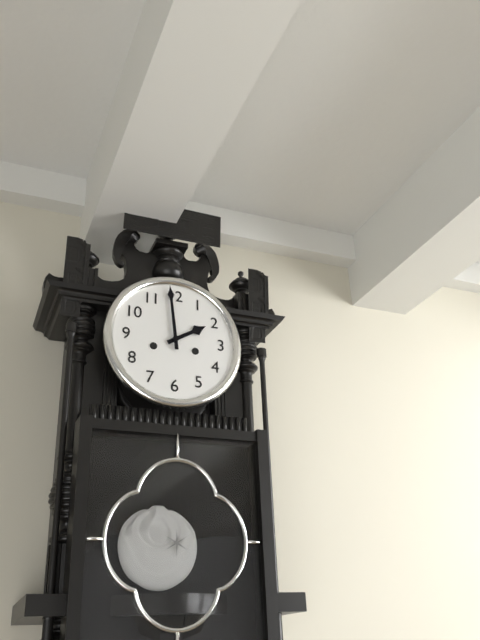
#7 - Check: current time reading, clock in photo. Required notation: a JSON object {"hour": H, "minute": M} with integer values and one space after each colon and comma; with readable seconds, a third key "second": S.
{"hour": 1, "minute": 59}
